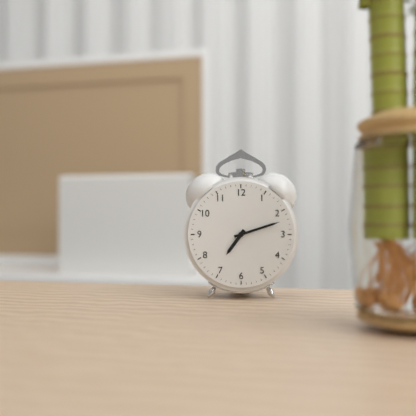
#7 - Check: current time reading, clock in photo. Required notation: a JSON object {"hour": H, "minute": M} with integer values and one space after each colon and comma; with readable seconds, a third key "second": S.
{"hour": 7, "minute": 12}
